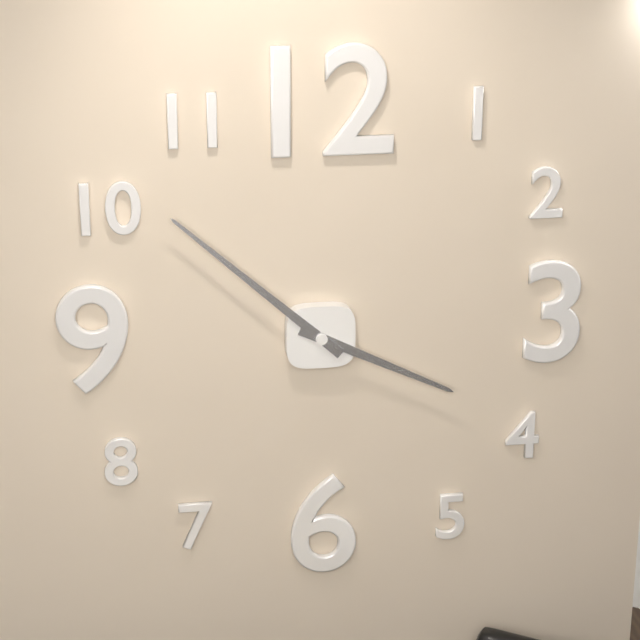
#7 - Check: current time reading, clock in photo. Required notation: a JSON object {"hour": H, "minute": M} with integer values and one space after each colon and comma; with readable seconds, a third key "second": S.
{"hour": 3, "minute": 52}
